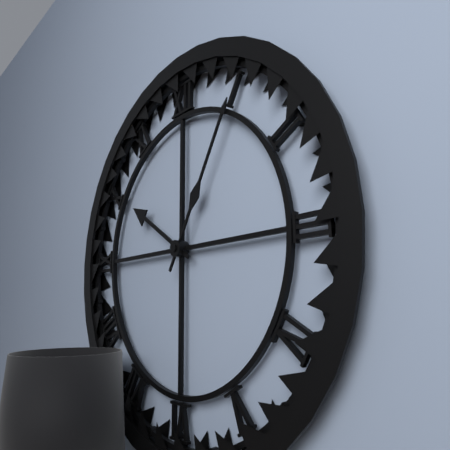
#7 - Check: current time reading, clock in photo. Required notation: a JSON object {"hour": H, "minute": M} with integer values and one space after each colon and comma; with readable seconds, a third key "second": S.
{"hour": 10, "minute": 5}
